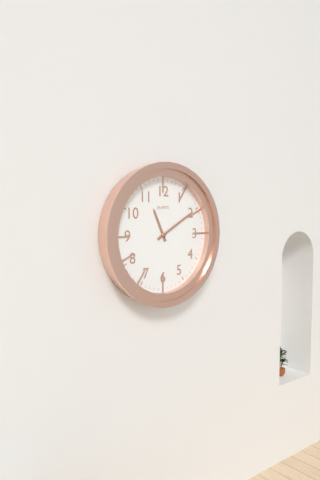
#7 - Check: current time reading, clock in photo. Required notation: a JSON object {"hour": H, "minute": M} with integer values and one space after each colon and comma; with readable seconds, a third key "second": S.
{"hour": 11, "minute": 10}
